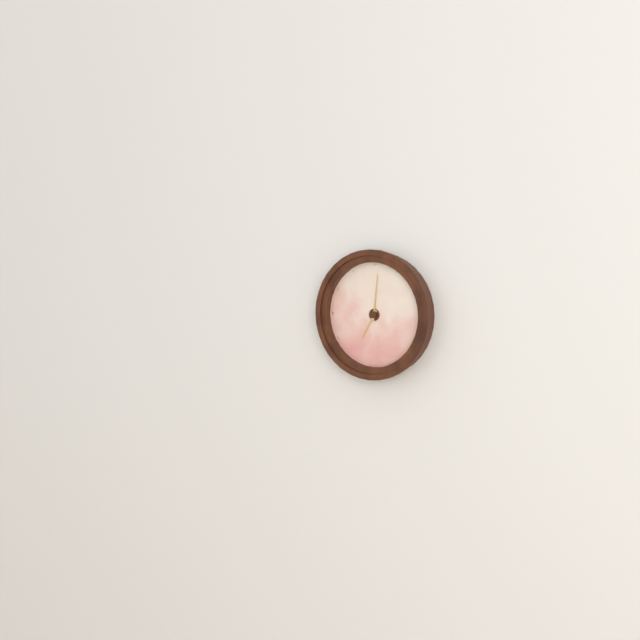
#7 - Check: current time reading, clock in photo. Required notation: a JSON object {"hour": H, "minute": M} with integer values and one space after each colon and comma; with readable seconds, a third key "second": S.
{"hour": 7, "minute": 1}
